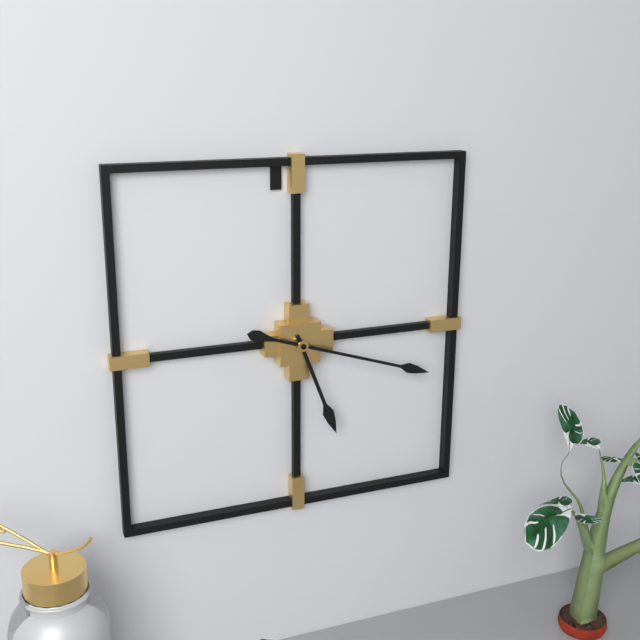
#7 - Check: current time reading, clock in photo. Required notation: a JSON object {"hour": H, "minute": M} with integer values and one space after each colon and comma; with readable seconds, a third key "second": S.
{"hour": 5, "minute": 18}
